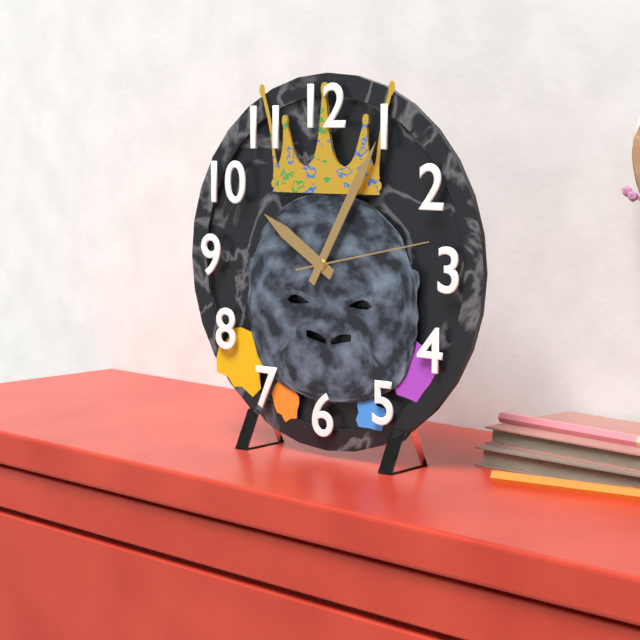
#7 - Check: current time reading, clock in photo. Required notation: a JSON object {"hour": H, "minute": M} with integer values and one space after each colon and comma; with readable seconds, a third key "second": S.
{"hour": 10, "minute": 5, "second": 13}
